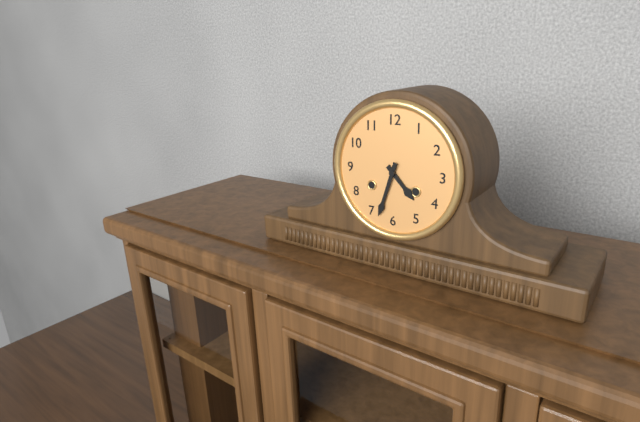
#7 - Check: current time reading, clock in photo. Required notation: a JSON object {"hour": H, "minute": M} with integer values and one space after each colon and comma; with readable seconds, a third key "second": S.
{"hour": 4, "minute": 33}
